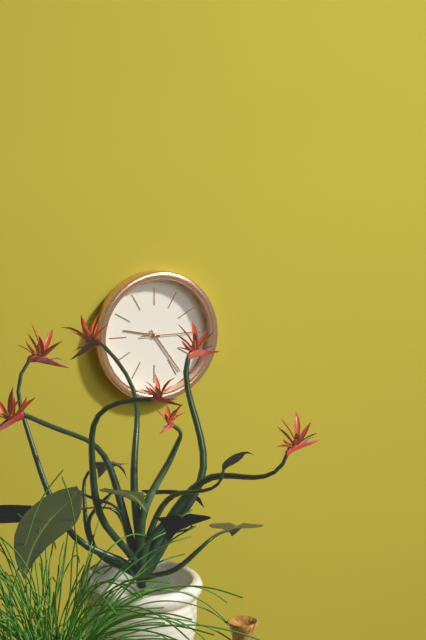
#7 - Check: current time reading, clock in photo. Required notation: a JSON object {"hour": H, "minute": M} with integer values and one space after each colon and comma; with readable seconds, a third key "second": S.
{"hour": 9, "minute": 24, "second": 15}
